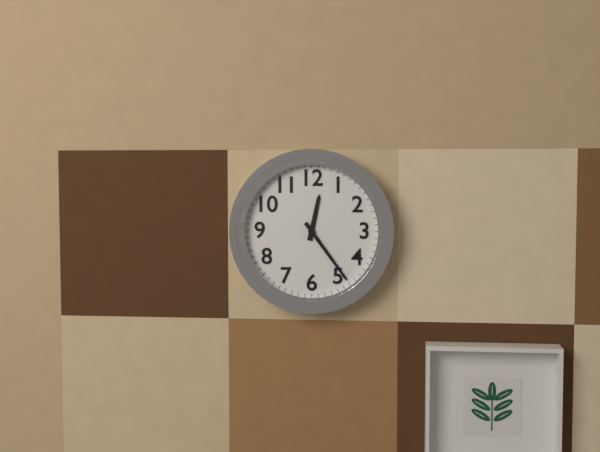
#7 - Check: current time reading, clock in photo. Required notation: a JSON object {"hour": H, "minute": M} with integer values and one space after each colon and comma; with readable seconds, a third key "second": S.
{"hour": 12, "minute": 24}
